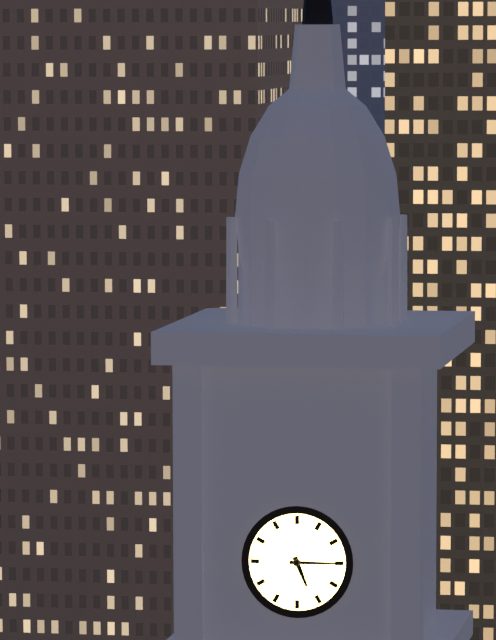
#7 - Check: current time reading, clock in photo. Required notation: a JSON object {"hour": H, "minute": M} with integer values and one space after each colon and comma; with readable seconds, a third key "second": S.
{"hour": 5, "minute": 15}
